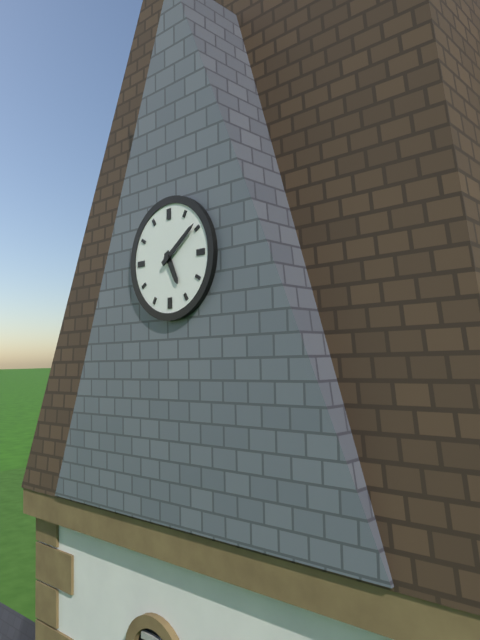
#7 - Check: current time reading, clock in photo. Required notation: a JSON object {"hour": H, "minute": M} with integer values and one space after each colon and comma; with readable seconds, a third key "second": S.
{"hour": 5, "minute": 9}
